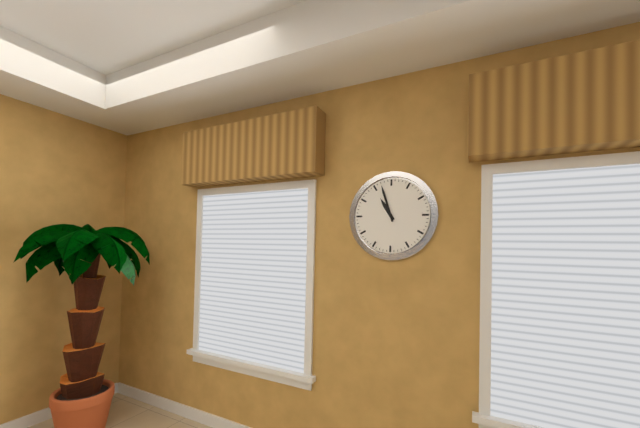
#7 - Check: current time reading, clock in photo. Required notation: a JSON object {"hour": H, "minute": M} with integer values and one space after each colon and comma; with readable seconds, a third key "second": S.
{"hour": 10, "minute": 57}
